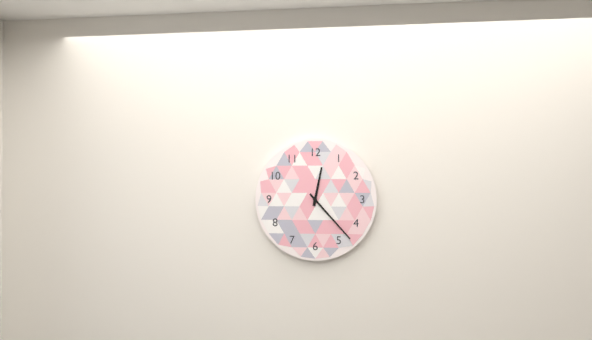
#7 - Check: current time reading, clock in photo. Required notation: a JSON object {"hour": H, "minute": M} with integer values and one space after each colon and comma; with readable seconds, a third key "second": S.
{"hour": 12, "minute": 23}
